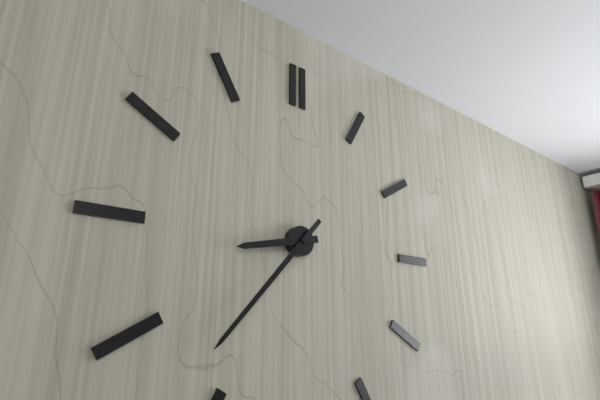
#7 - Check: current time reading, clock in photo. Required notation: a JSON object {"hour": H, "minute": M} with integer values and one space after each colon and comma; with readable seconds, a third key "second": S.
{"hour": 8, "minute": 37}
